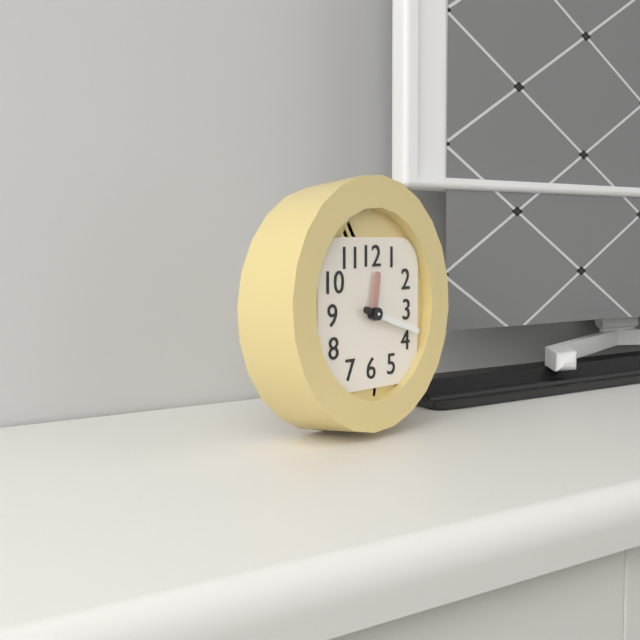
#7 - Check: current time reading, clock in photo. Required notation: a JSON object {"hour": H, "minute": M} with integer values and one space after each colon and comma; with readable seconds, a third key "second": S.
{"hour": 12, "minute": 18}
